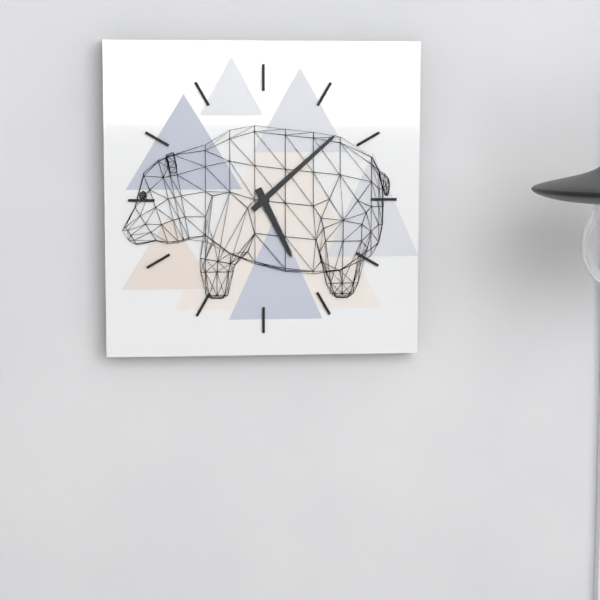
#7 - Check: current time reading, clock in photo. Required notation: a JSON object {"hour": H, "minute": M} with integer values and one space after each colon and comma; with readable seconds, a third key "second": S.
{"hour": 5, "minute": 8}
